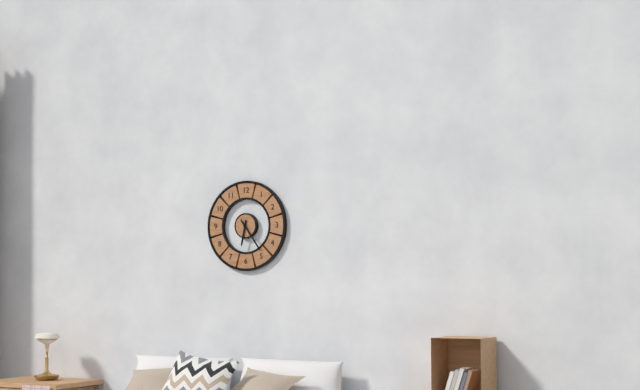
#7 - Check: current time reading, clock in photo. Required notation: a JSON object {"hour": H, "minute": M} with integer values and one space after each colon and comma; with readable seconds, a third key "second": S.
{"hour": 6, "minute": 24}
